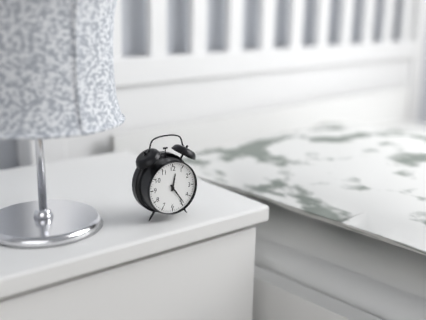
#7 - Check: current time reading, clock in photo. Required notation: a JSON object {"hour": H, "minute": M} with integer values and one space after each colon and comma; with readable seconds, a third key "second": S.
{"hour": 12, "minute": 24}
